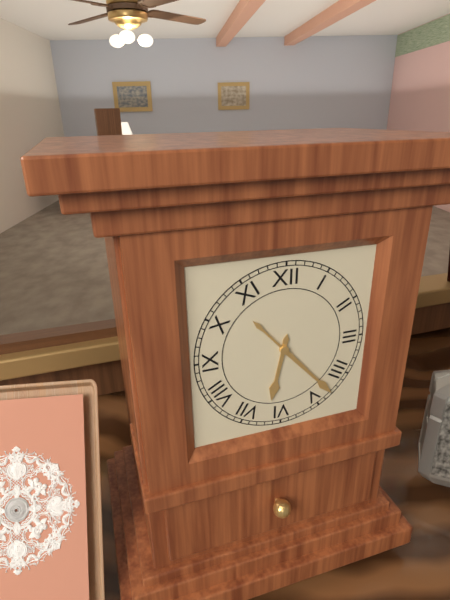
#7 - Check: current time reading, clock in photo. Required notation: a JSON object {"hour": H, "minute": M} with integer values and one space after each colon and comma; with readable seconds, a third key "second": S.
{"hour": 6, "minute": 23}
